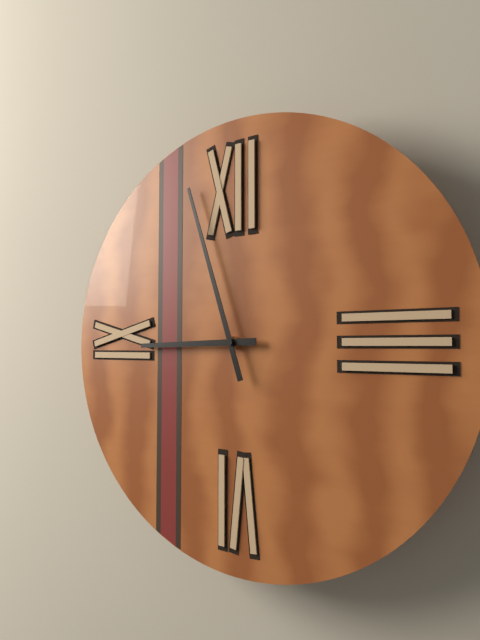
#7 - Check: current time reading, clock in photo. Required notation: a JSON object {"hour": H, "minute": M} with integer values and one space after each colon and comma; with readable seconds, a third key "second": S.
{"hour": 8, "minute": 57}
